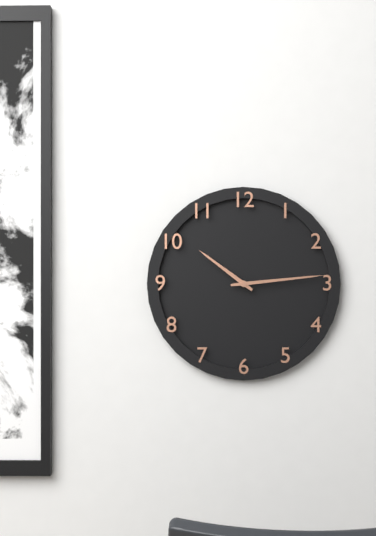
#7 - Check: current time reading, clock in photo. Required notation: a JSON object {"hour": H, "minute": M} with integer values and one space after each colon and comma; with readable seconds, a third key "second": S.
{"hour": 10, "minute": 14}
